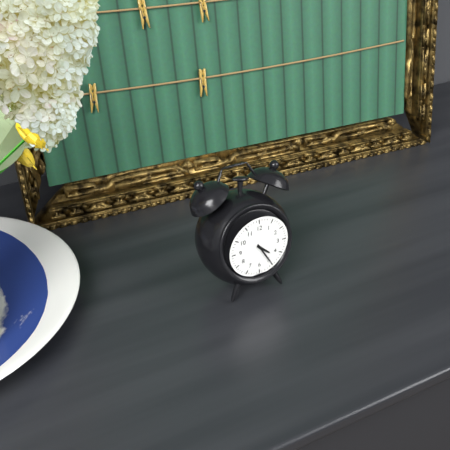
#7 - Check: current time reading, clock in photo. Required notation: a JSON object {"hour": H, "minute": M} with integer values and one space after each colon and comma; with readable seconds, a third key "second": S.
{"hour": 4, "minute": 25}
